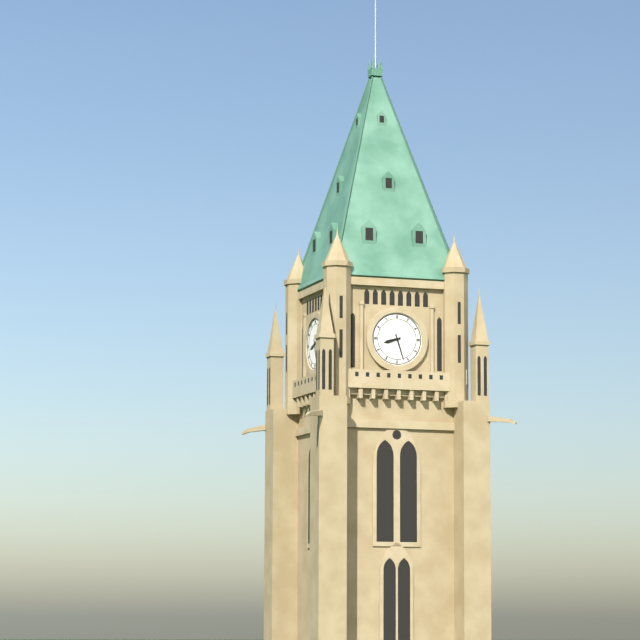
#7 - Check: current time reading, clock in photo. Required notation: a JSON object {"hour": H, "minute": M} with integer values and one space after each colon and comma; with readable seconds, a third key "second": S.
{"hour": 8, "minute": 27}
